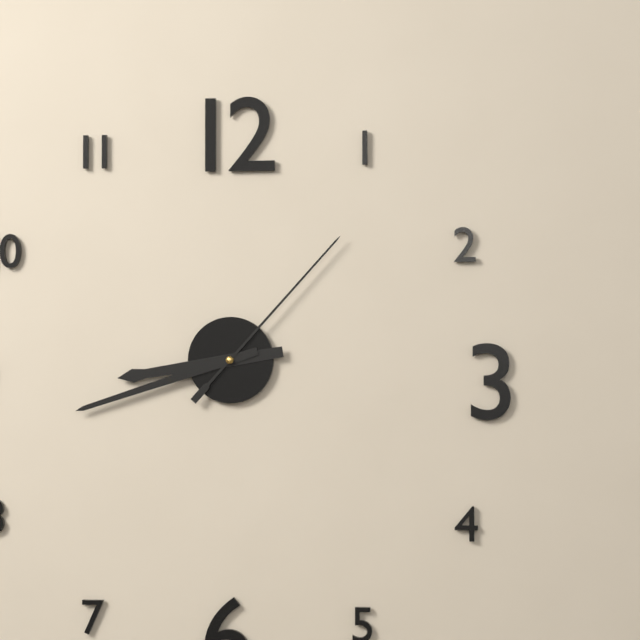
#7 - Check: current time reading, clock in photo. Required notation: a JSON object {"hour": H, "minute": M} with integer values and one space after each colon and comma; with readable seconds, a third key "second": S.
{"hour": 8, "minute": 42, "second": 7}
